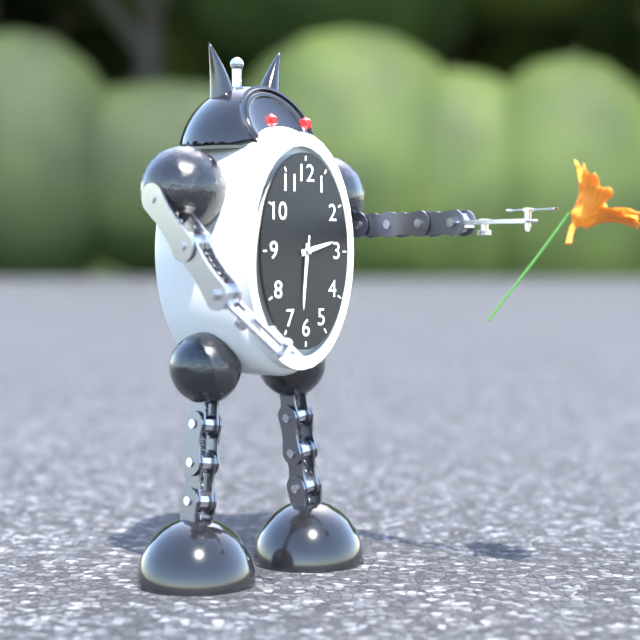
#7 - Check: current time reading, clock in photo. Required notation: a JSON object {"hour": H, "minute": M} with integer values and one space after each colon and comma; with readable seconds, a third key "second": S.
{"hour": 2, "minute": 31, "second": 31}
